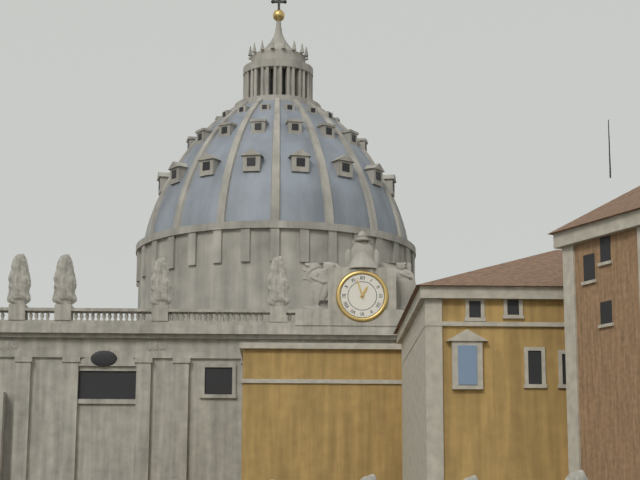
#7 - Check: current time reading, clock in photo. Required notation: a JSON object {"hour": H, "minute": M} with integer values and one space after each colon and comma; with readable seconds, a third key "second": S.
{"hour": 12, "minute": 57}
